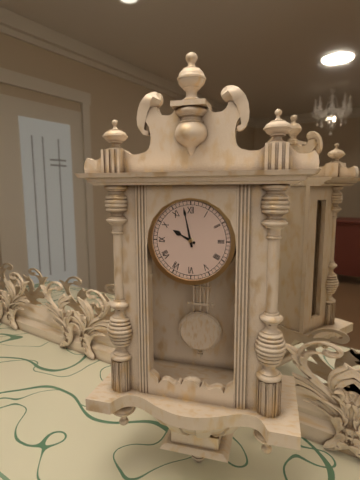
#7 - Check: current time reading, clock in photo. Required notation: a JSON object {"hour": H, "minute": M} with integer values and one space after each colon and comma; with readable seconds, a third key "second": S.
{"hour": 9, "minute": 58}
